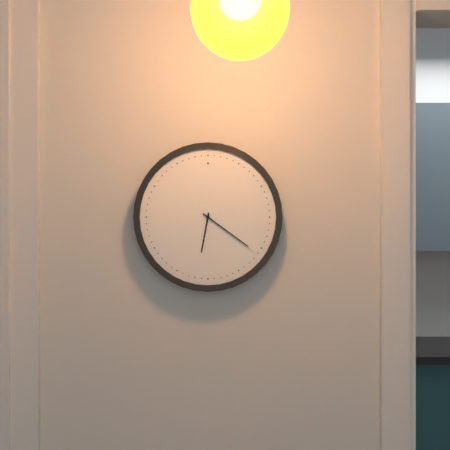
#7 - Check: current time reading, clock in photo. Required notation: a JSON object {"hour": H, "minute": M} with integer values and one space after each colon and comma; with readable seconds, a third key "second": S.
{"hour": 6, "minute": 21}
